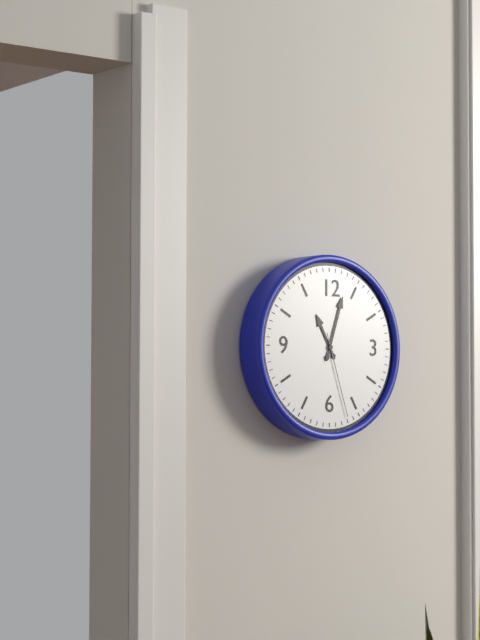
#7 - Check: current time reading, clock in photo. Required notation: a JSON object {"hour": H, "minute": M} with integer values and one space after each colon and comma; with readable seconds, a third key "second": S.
{"hour": 11, "minute": 3, "second": 27}
